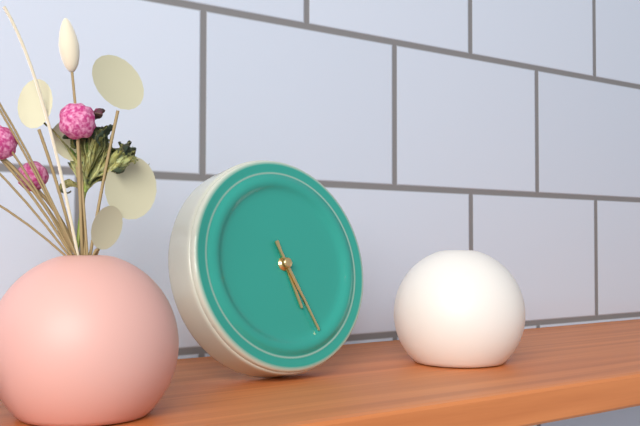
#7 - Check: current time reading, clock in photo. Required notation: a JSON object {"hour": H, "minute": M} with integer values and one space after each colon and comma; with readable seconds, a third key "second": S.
{"hour": 5, "minute": 26}
